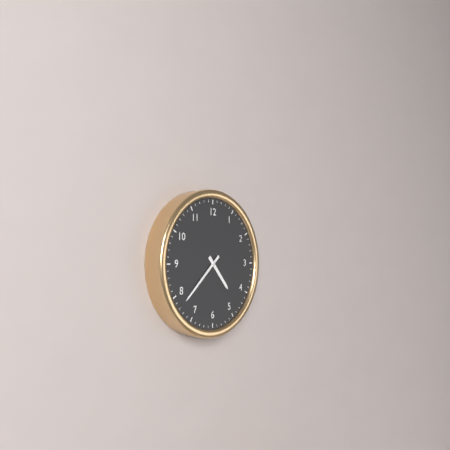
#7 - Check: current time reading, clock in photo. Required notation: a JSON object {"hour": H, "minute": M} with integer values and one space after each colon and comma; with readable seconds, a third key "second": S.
{"hour": 4, "minute": 38}
